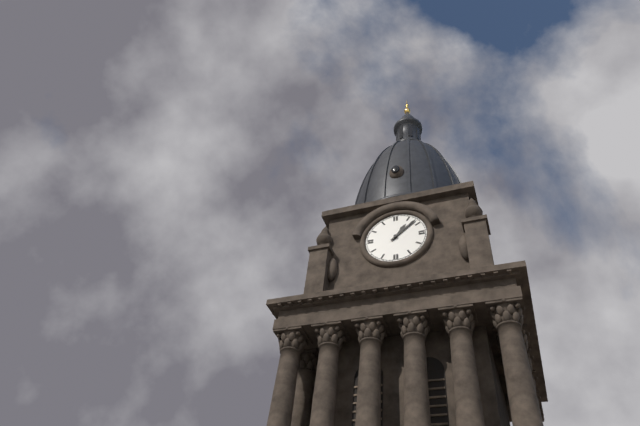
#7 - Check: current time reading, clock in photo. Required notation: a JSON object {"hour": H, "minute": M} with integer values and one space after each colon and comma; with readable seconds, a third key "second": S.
{"hour": 1, "minute": 8}
